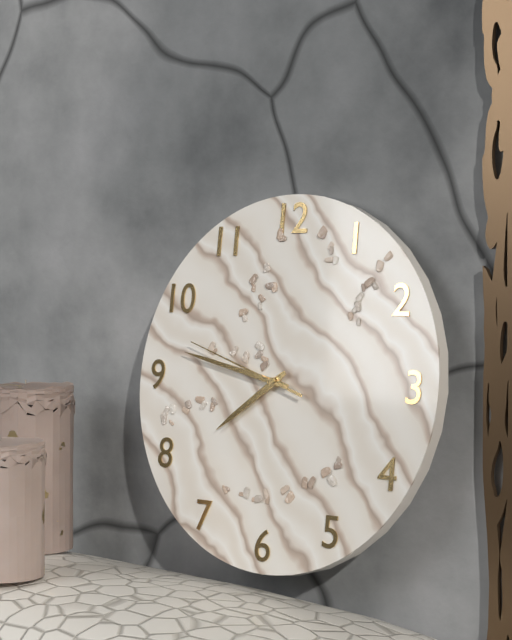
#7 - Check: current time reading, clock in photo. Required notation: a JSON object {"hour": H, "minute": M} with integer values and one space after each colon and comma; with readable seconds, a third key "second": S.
{"hour": 7, "minute": 47, "second": 48}
